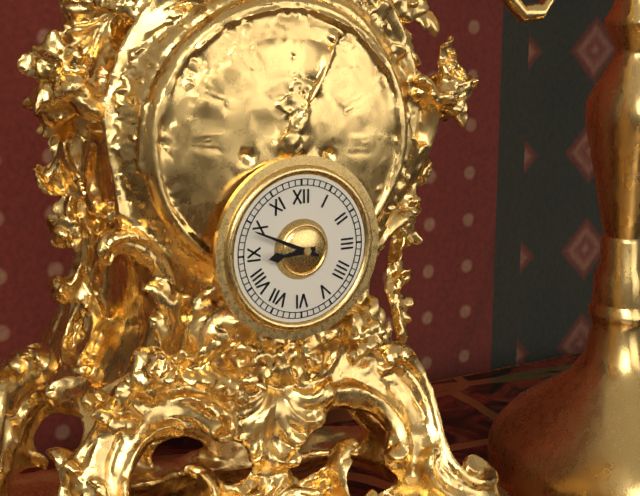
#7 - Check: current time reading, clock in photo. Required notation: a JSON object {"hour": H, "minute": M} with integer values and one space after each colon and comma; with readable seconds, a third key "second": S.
{"hour": 8, "minute": 49}
